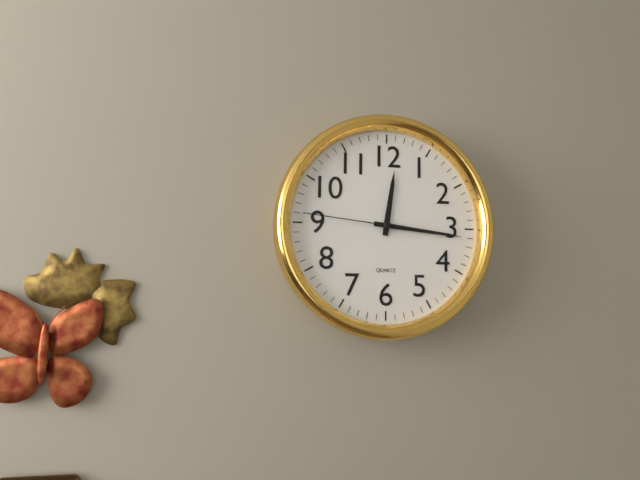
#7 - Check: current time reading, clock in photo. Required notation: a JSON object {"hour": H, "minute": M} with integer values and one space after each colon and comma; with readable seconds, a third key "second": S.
{"hour": 12, "minute": 16, "second": 46}
